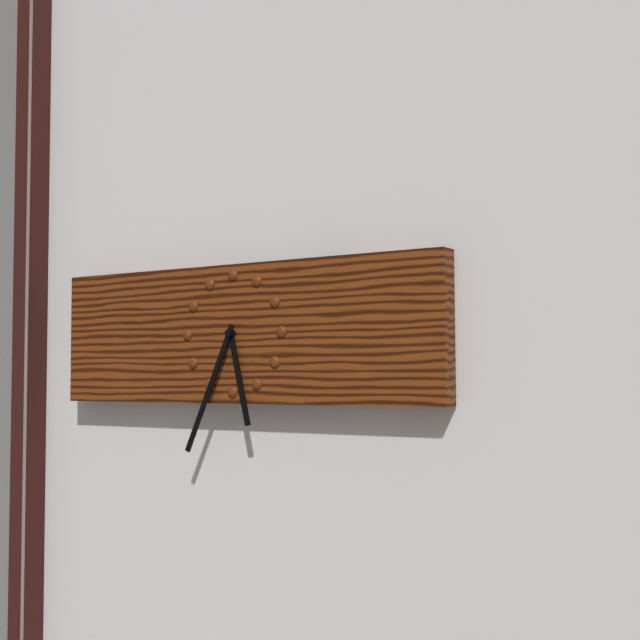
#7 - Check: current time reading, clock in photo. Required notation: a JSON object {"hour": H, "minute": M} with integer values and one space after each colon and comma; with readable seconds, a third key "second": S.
{"hour": 5, "minute": 34}
